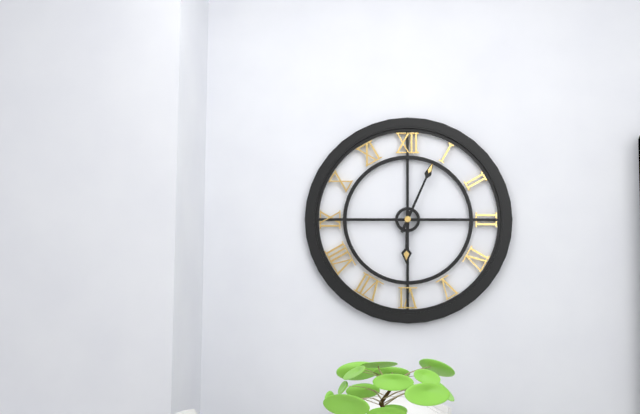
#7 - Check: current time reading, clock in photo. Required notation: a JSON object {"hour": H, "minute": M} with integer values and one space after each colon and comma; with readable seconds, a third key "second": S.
{"hour": 6, "minute": 4}
